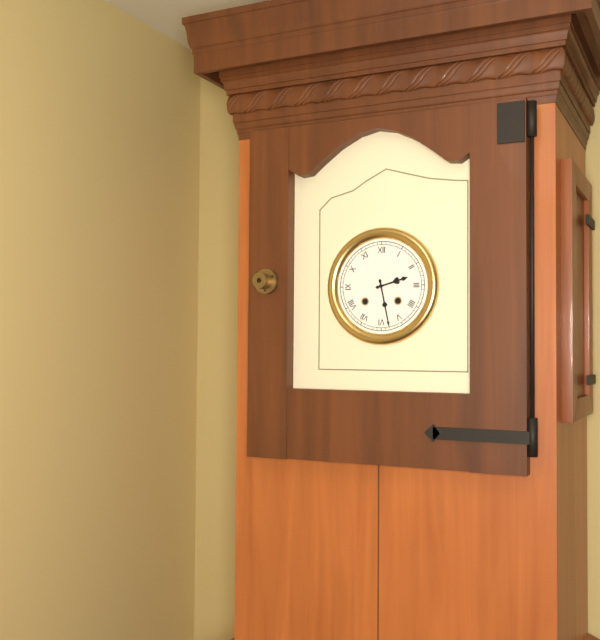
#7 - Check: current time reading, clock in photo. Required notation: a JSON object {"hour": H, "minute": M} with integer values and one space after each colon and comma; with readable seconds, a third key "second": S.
{"hour": 2, "minute": 28}
